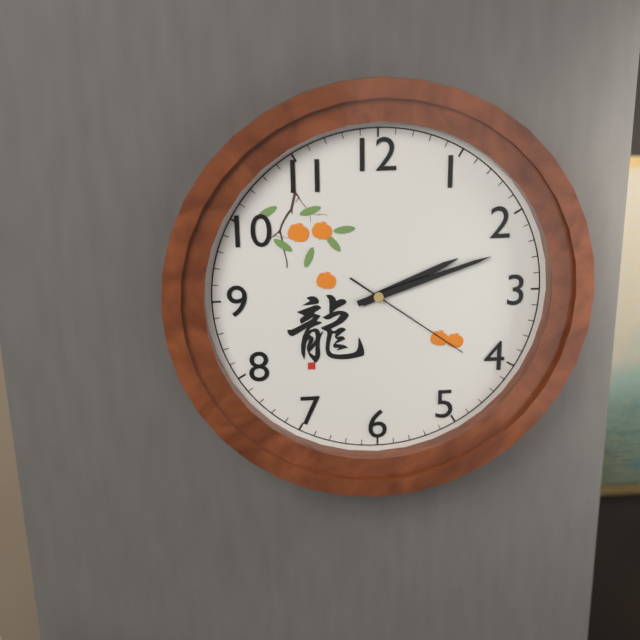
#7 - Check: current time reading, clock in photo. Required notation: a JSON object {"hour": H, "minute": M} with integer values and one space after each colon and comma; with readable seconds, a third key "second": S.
{"hour": 2, "minute": 12, "second": 21}
